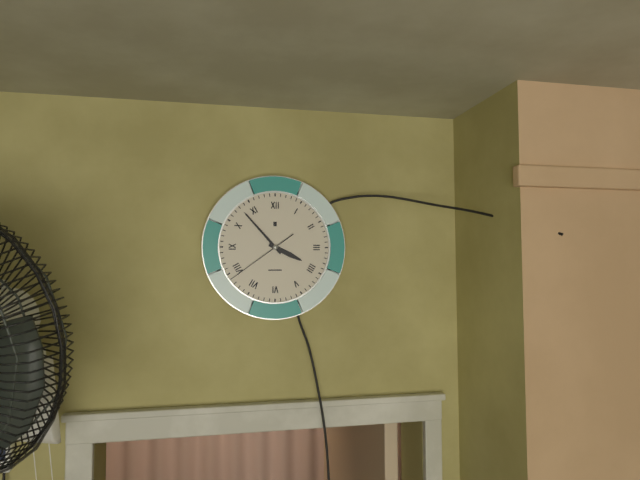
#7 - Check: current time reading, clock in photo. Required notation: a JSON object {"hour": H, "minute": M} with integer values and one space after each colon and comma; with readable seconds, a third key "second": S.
{"hour": 3, "minute": 53, "second": 39}
